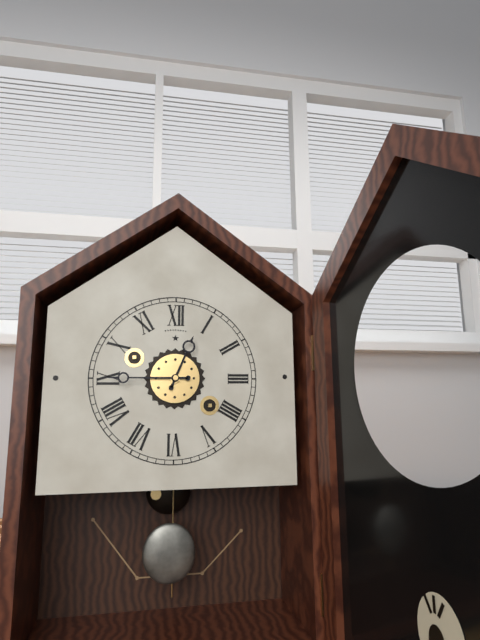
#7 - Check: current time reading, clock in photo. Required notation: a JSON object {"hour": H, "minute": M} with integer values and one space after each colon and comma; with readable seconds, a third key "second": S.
{"hour": 12, "minute": 45}
